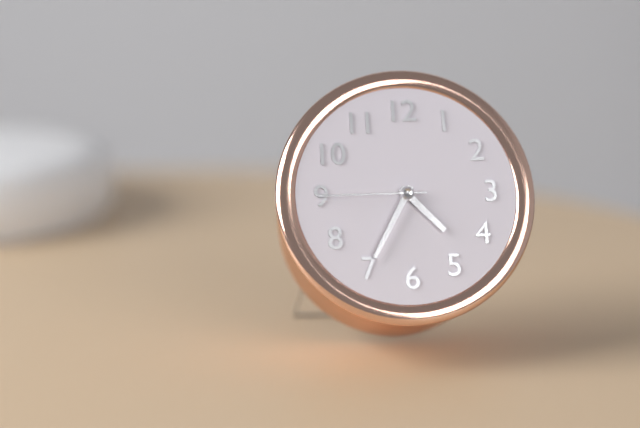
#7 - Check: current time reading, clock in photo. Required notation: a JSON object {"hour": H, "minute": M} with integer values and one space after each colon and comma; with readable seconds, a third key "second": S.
{"hour": 4, "minute": 35, "second": 45}
